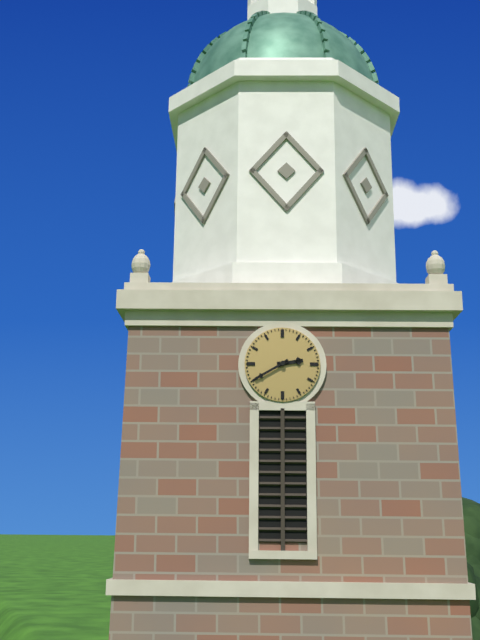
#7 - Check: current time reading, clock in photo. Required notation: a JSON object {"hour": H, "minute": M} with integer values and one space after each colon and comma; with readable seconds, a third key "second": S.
{"hour": 2, "minute": 40}
